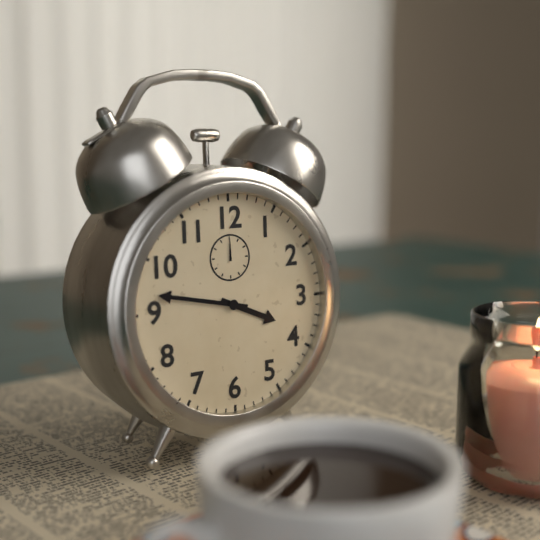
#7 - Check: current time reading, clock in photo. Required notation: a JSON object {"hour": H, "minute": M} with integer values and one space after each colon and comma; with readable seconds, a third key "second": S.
{"hour": 3, "minute": 47}
